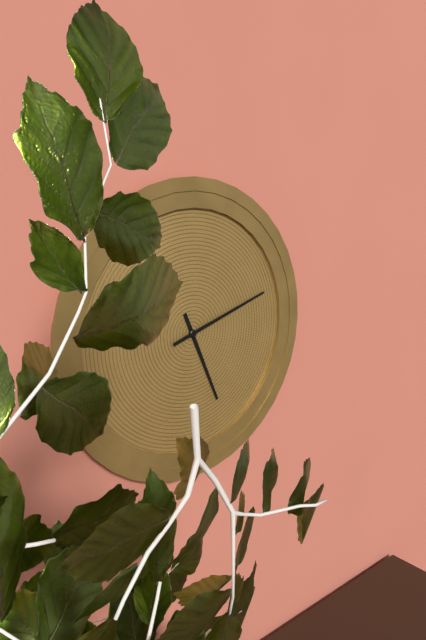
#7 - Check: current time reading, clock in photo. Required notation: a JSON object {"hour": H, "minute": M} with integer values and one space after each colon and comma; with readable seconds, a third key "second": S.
{"hour": 5, "minute": 12}
